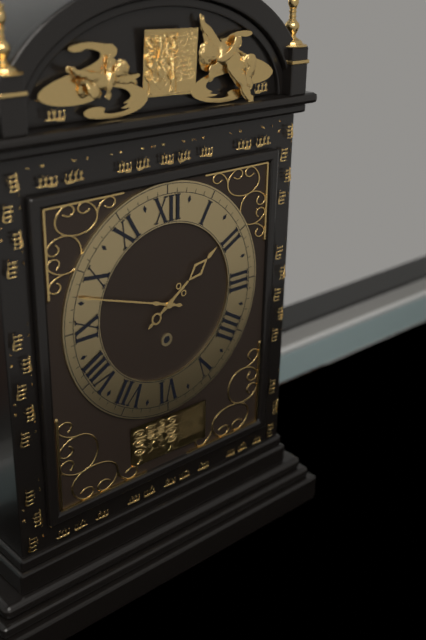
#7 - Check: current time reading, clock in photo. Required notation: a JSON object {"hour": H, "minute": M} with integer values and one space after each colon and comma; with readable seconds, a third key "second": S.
{"hour": 1, "minute": 48}
